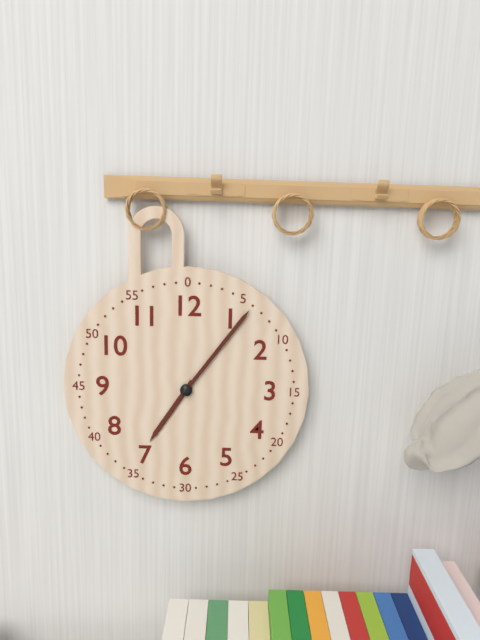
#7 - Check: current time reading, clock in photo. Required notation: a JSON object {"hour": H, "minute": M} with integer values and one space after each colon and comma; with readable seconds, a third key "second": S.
{"hour": 7, "minute": 6}
